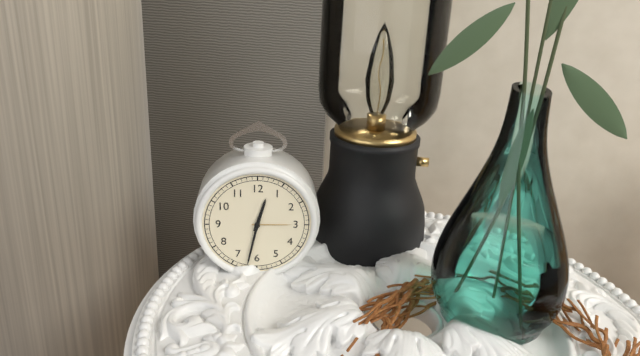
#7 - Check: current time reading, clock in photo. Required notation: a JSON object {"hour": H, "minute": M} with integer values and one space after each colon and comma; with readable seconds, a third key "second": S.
{"hour": 12, "minute": 32}
